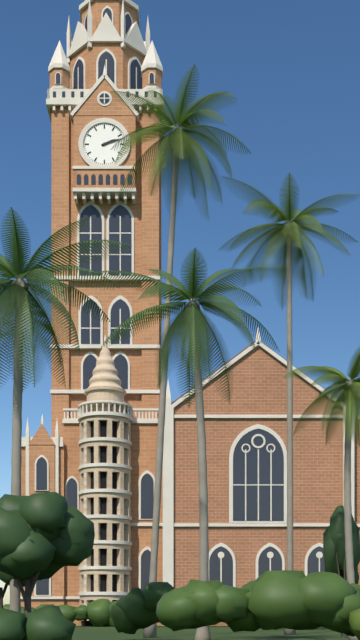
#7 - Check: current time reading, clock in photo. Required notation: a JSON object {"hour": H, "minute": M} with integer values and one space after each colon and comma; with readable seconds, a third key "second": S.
{"hour": 2, "minute": 12}
